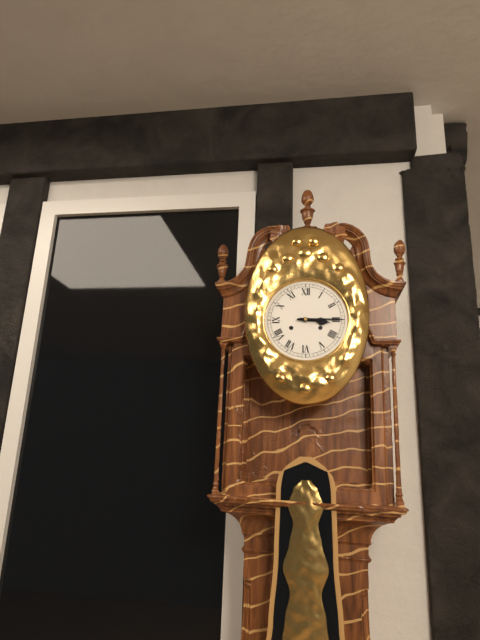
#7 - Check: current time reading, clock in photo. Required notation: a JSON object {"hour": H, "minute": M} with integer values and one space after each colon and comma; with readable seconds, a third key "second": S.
{"hour": 3, "minute": 15}
